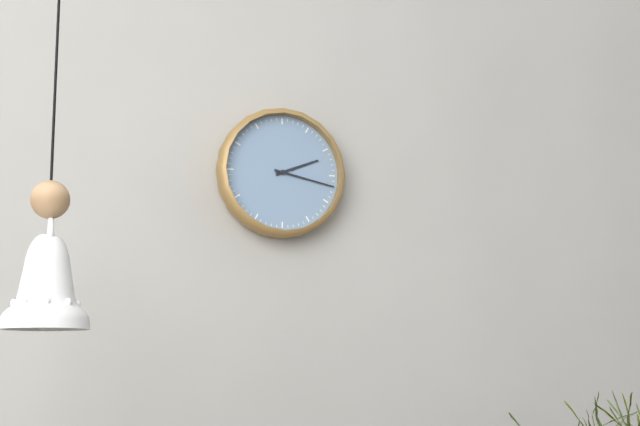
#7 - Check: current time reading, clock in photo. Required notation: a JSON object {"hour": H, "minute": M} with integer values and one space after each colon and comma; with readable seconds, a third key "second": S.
{"hour": 2, "minute": 17}
